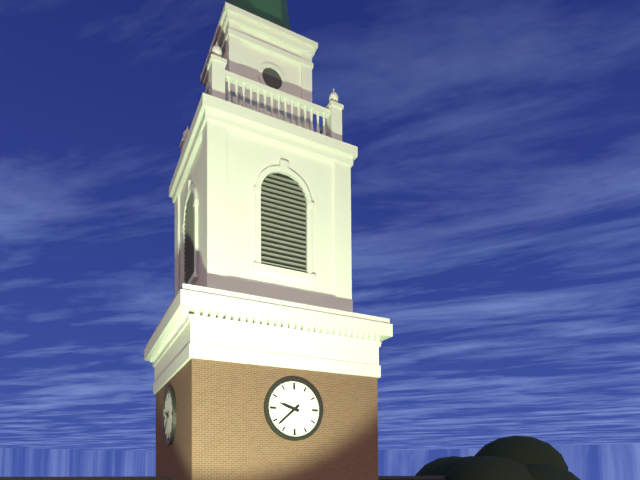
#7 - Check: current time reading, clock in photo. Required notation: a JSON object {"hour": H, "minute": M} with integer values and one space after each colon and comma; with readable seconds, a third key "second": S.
{"hour": 9, "minute": 38}
